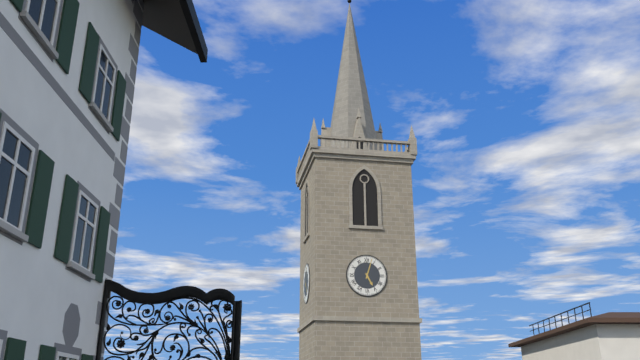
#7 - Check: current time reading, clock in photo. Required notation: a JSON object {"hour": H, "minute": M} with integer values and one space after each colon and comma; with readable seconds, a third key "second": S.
{"hour": 5, "minute": 3}
